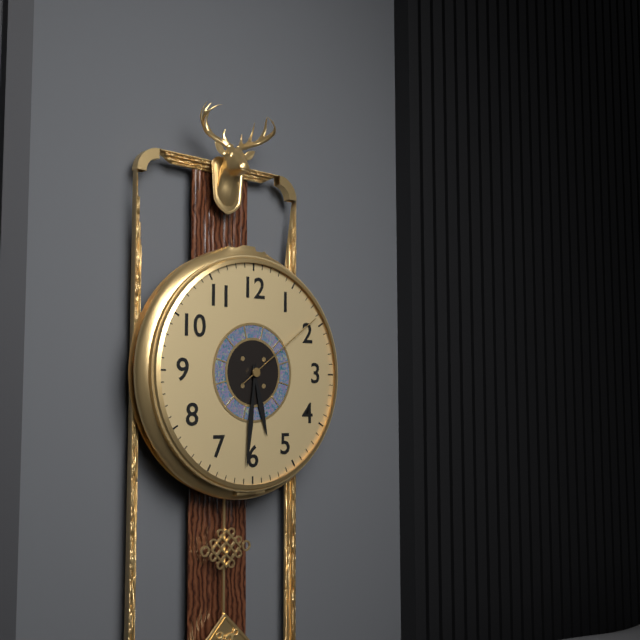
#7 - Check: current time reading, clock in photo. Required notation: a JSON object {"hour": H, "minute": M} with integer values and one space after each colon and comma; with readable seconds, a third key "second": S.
{"hour": 5, "minute": 31, "second": 9}
